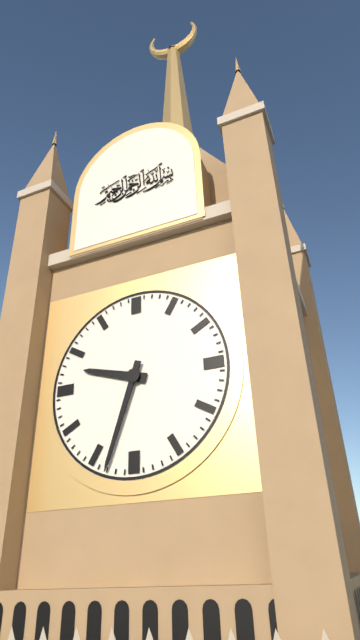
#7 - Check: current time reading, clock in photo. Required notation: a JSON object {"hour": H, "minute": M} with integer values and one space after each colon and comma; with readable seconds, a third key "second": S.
{"hour": 9, "minute": 33}
